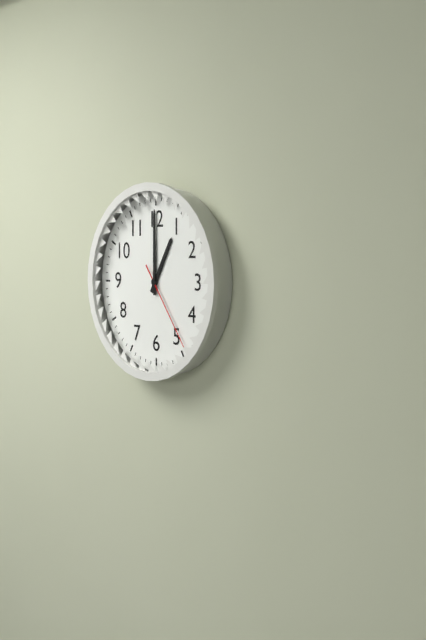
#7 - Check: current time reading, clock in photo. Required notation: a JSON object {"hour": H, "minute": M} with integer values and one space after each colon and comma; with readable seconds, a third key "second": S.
{"hour": 1, "minute": 0, "second": 24}
